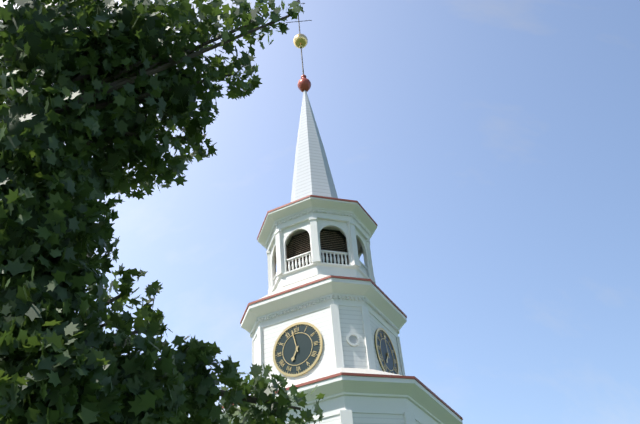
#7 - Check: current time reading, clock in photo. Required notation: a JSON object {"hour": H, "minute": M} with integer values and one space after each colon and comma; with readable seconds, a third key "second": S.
{"hour": 6, "minute": 58}
